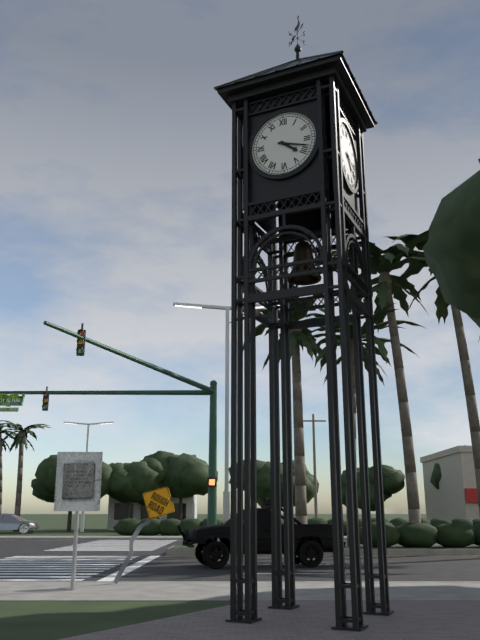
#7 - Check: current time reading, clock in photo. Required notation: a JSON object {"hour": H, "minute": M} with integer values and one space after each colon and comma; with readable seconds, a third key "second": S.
{"hour": 4, "minute": 18}
